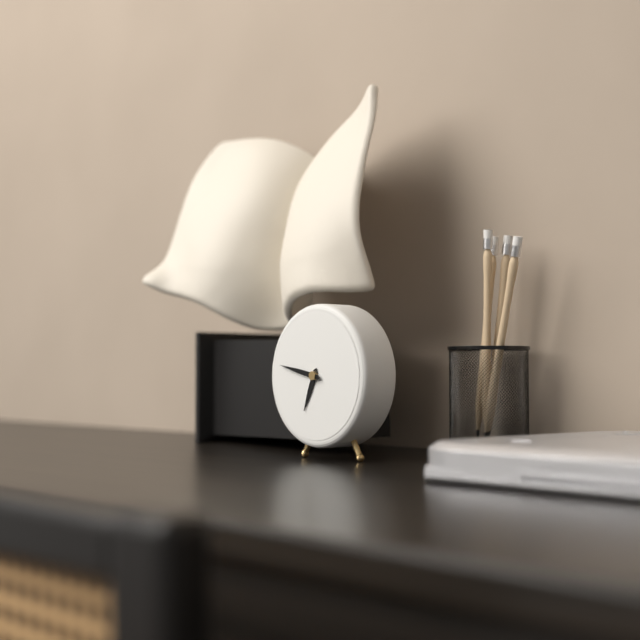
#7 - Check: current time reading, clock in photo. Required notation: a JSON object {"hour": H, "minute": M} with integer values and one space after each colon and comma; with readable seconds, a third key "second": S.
{"hour": 6, "minute": 47}
